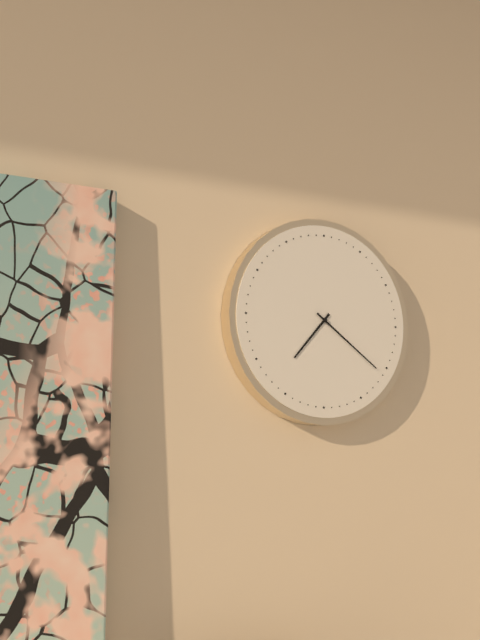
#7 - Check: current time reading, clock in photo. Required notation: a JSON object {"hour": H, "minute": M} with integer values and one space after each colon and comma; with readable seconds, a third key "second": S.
{"hour": 7, "minute": 21}
